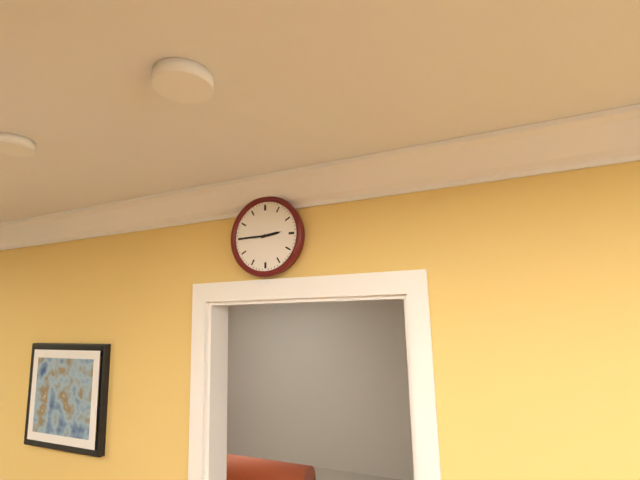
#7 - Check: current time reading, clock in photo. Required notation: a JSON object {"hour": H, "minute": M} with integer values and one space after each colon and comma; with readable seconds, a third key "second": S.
{"hour": 2, "minute": 45}
